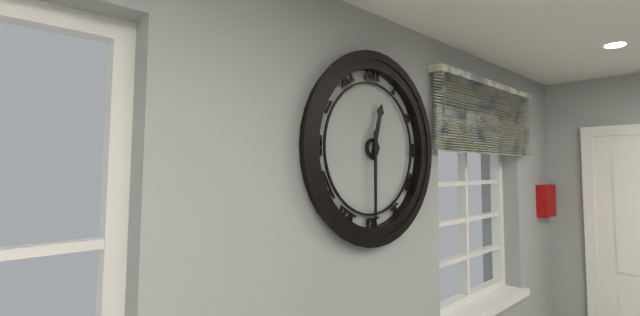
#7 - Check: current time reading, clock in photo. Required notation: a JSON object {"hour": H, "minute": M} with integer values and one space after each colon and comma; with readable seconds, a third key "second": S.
{"hour": 12, "minute": 30}
